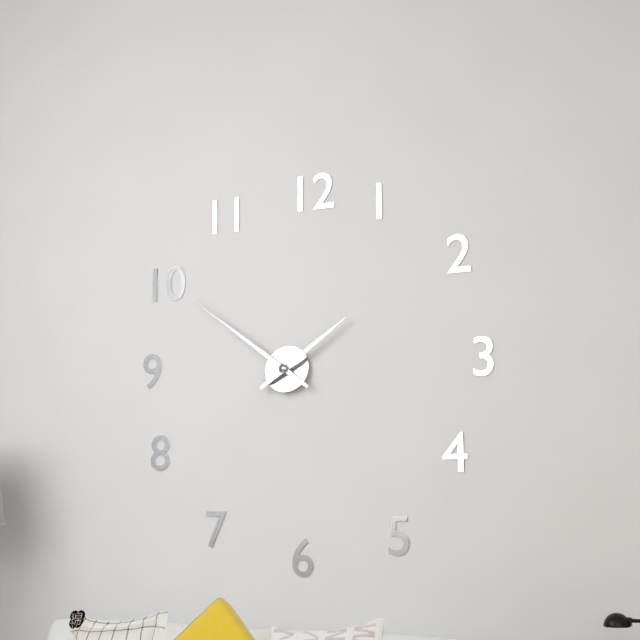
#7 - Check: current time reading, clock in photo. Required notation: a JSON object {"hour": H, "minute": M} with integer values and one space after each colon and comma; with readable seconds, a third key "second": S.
{"hour": 1, "minute": 51}
